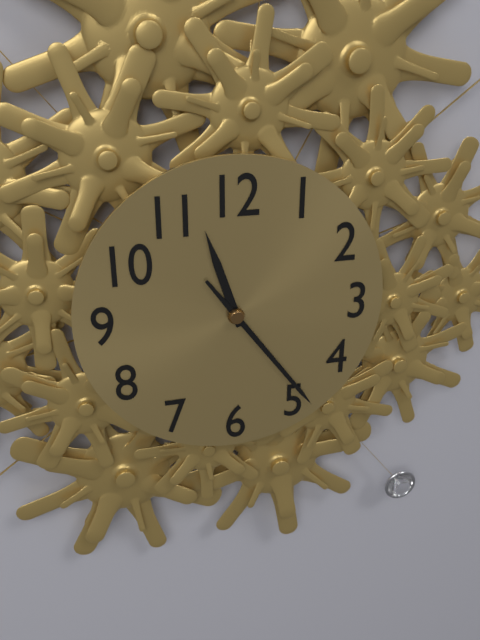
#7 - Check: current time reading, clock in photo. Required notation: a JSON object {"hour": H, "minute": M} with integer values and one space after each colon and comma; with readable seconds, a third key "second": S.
{"hour": 11, "minute": 24}
